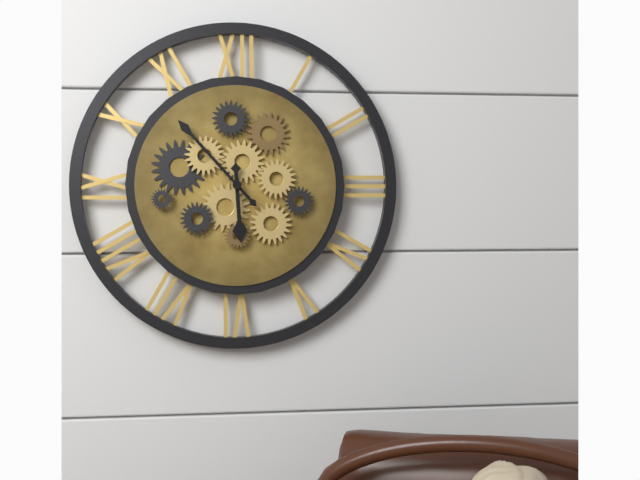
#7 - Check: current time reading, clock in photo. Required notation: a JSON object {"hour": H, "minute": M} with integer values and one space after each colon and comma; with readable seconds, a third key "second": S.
{"hour": 5, "minute": 53}
